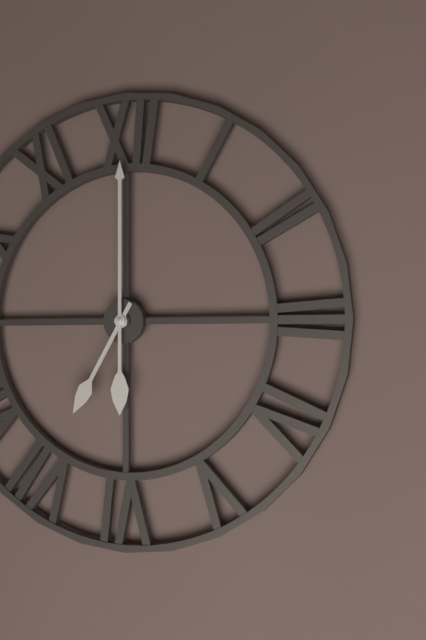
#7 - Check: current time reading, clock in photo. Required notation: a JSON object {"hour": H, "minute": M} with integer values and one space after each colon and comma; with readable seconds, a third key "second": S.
{"hour": 7, "minute": 0}
